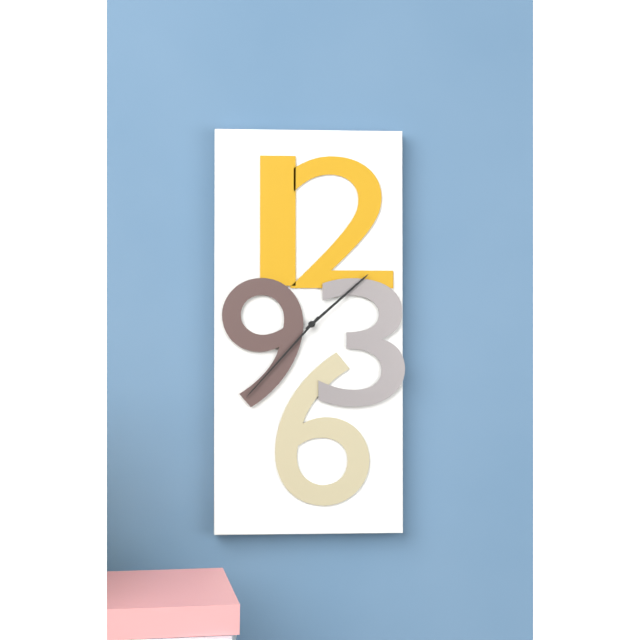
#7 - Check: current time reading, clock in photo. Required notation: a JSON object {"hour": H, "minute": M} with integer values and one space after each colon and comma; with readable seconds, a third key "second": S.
{"hour": 1, "minute": 37}
